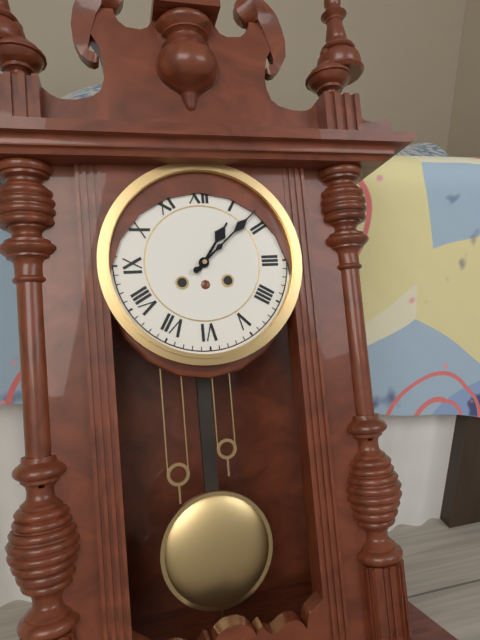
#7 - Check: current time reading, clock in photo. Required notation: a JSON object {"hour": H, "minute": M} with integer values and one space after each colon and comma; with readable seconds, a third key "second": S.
{"hour": 1, "minute": 8}
